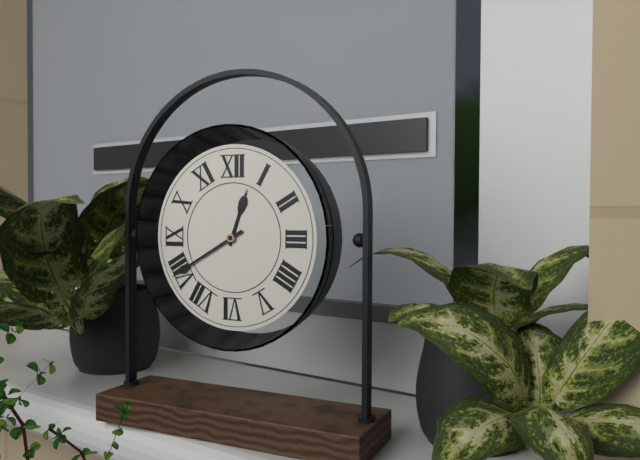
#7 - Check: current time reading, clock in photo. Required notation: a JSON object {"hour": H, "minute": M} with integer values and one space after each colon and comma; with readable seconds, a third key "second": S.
{"hour": 12, "minute": 40}
